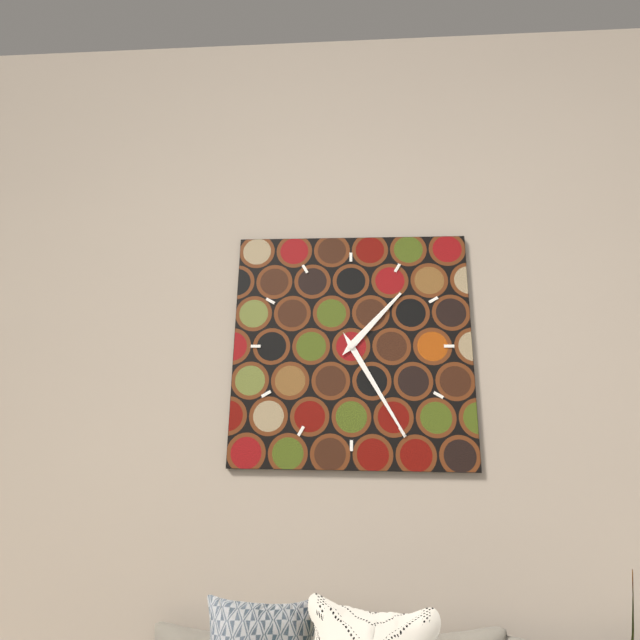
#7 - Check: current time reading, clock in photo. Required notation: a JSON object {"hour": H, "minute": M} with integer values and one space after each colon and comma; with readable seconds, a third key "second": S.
{"hour": 1, "minute": 25}
